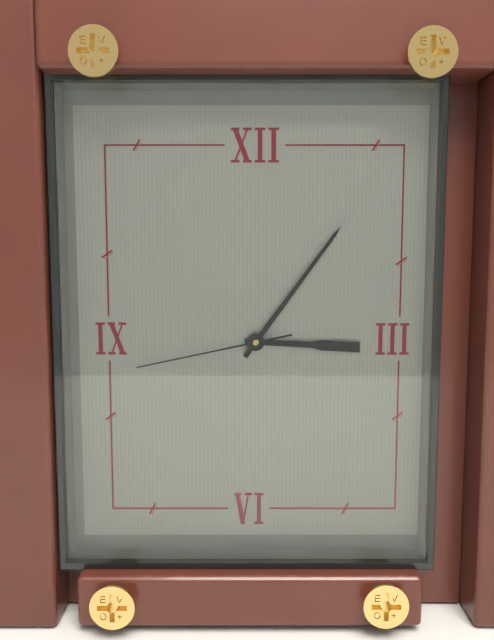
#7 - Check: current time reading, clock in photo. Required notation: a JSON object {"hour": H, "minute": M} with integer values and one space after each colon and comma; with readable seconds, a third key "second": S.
{"hour": 3, "minute": 6, "second": 43}
